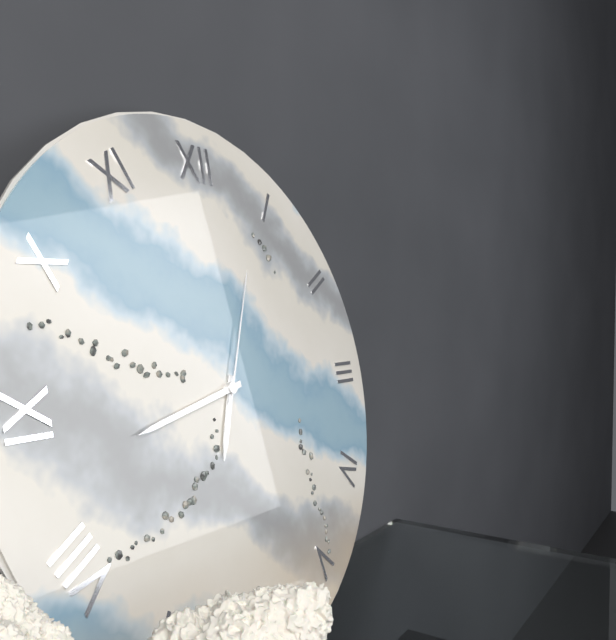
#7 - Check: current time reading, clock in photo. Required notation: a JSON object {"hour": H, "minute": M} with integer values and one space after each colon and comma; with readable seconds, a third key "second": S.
{"hour": 6, "minute": 43, "second": 4}
